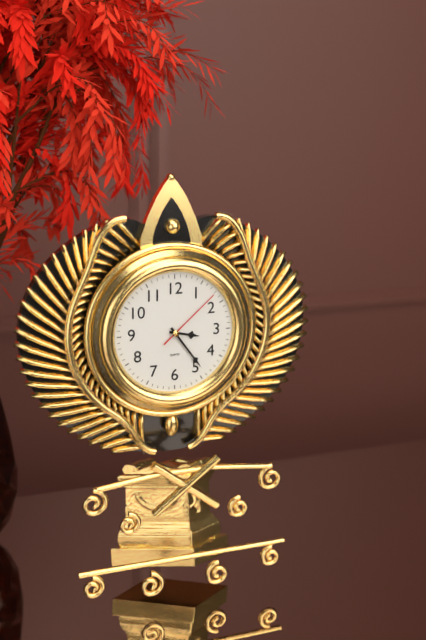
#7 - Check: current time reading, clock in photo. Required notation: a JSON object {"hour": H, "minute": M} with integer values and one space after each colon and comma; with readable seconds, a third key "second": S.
{"hour": 3, "minute": 24, "second": 8}
